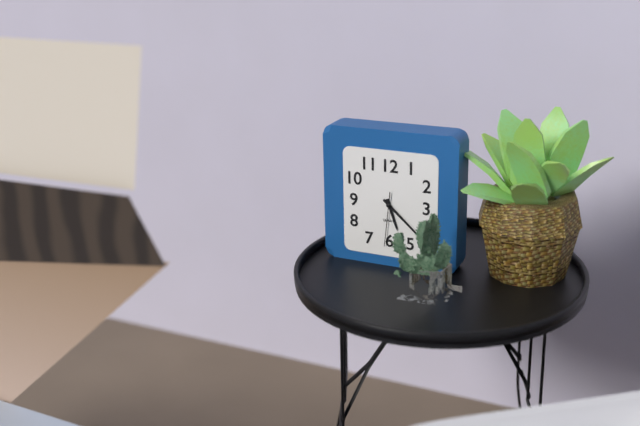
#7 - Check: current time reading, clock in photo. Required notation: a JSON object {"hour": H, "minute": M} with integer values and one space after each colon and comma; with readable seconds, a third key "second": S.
{"hour": 5, "minute": 22, "second": 31}
